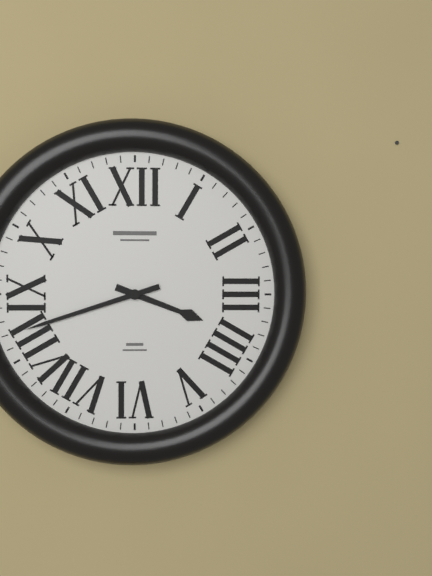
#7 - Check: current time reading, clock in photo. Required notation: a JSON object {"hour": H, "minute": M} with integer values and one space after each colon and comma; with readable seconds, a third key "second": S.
{"hour": 3, "minute": 42}
